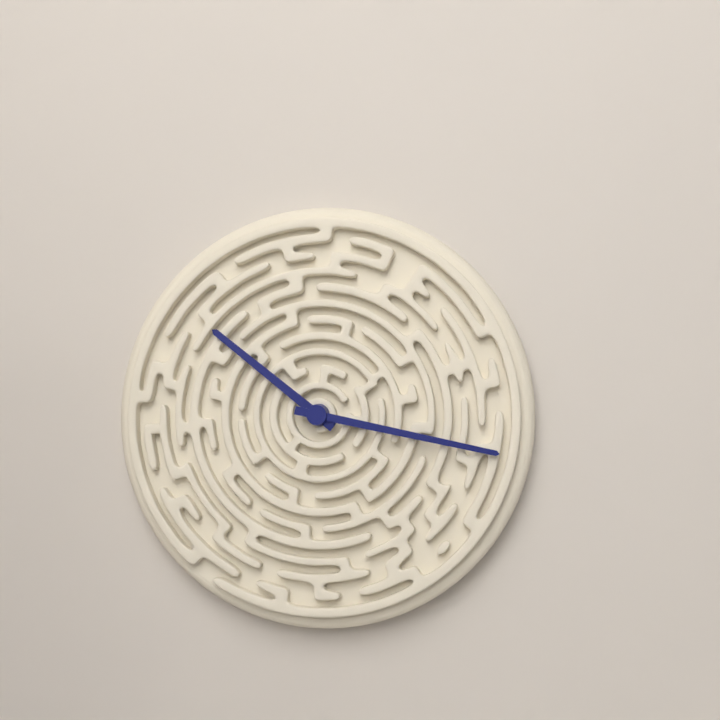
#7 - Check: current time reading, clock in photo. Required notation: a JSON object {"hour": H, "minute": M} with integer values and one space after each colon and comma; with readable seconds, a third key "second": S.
{"hour": 10, "minute": 17}
